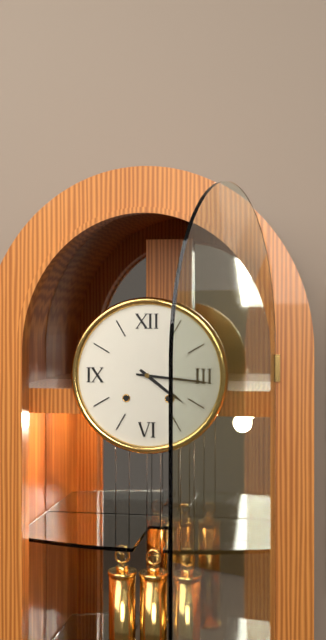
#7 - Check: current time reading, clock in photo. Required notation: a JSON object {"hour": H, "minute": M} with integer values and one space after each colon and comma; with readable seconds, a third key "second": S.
{"hour": 4, "minute": 16}
